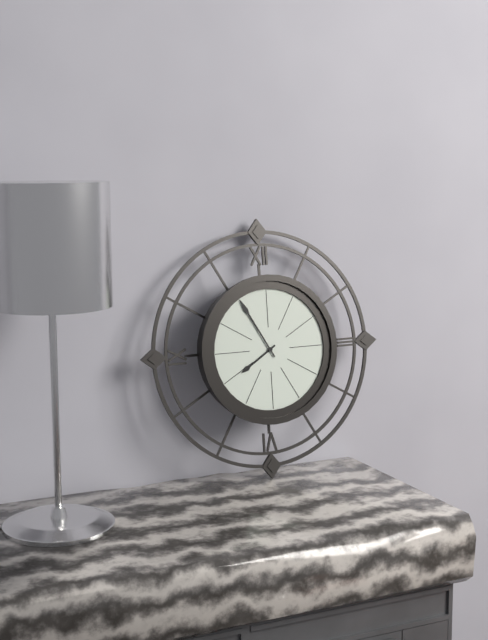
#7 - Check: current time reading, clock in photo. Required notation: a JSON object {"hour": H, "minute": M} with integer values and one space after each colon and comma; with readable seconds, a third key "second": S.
{"hour": 7, "minute": 55}
